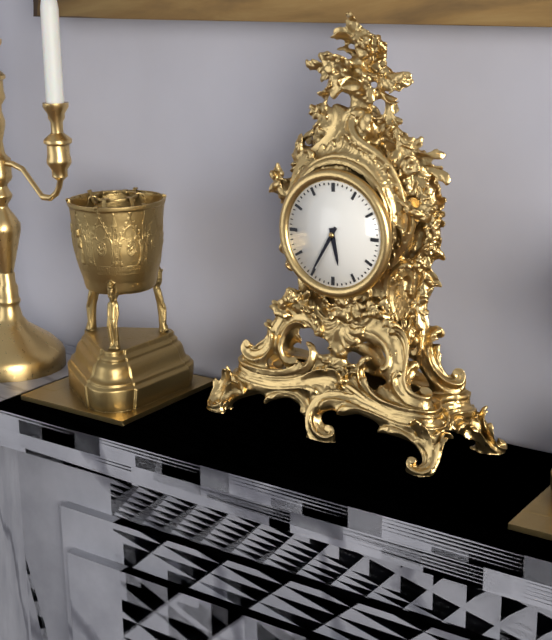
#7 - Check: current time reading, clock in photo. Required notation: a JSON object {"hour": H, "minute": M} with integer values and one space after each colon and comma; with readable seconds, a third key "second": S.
{"hour": 5, "minute": 35}
